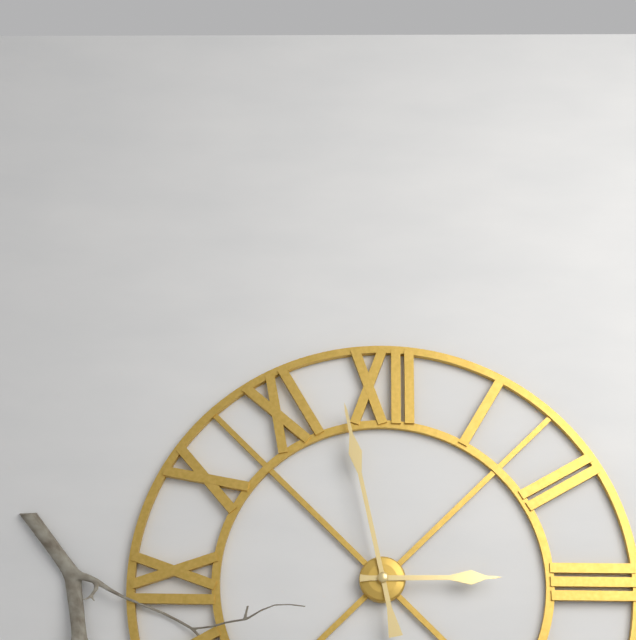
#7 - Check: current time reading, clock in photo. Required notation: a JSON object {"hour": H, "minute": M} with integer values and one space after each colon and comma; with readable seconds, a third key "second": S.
{"hour": 2, "minute": 58}
